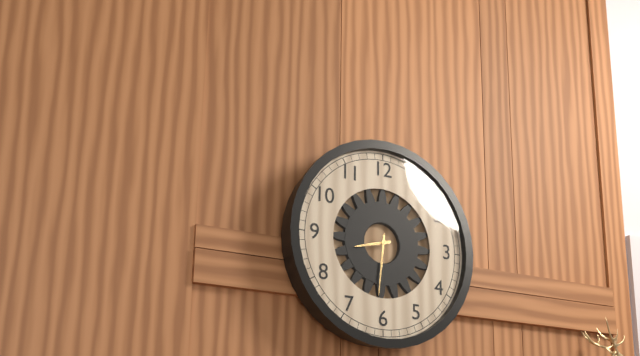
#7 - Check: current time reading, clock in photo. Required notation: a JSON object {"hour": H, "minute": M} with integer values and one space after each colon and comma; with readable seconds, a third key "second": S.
{"hour": 8, "minute": 31}
